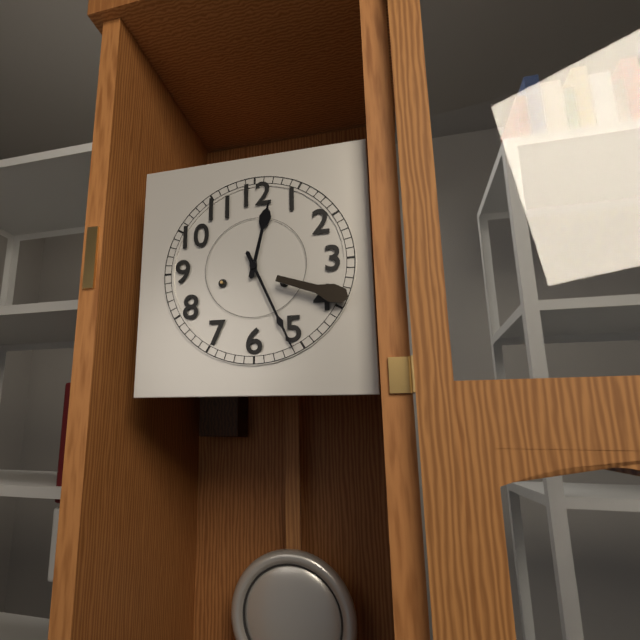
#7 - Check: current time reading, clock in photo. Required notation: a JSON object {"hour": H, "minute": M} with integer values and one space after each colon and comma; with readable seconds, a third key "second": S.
{"hour": 12, "minute": 26}
